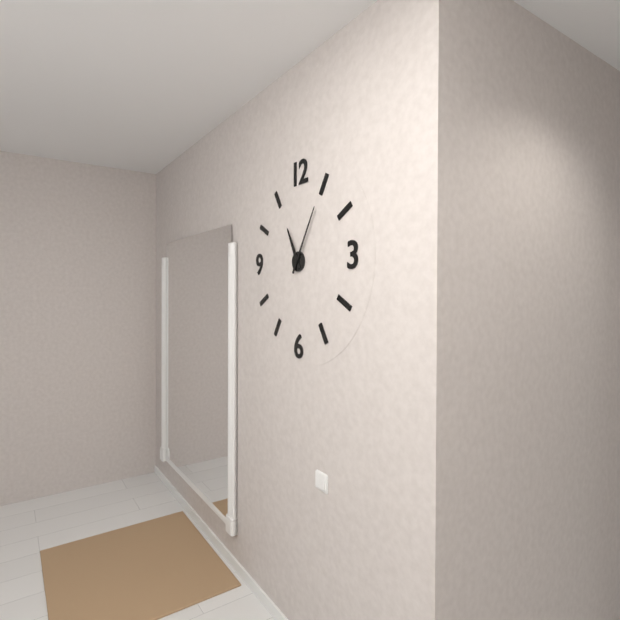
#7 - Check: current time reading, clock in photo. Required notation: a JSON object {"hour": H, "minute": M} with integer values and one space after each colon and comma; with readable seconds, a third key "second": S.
{"hour": 11, "minute": 5}
